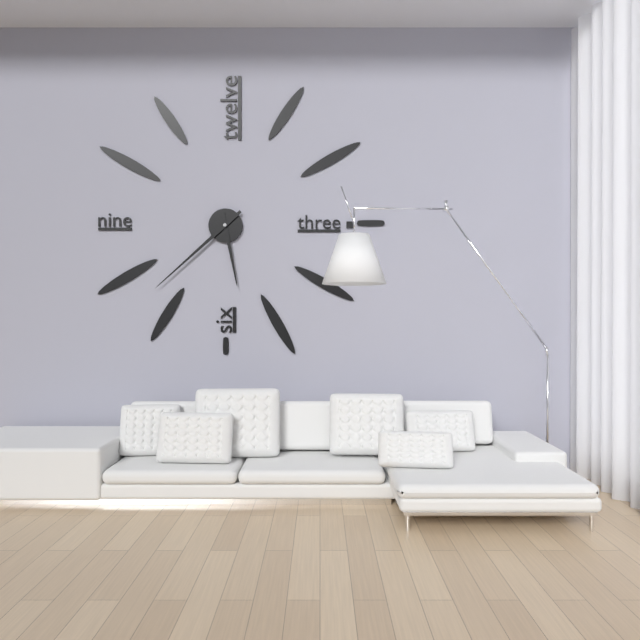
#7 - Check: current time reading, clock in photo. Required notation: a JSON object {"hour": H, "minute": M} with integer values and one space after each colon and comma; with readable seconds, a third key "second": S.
{"hour": 5, "minute": 38}
